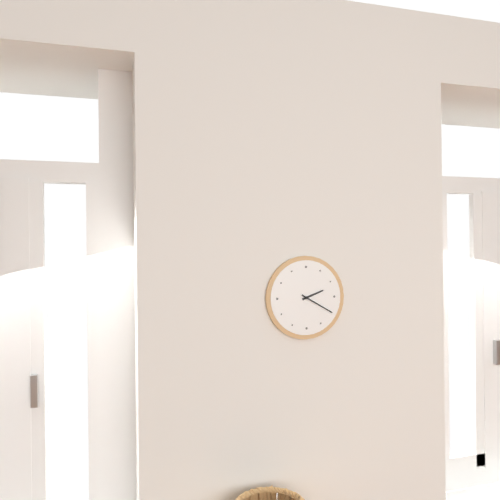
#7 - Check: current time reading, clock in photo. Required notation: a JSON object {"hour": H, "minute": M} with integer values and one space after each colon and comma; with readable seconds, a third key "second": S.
{"hour": 2, "minute": 20}
